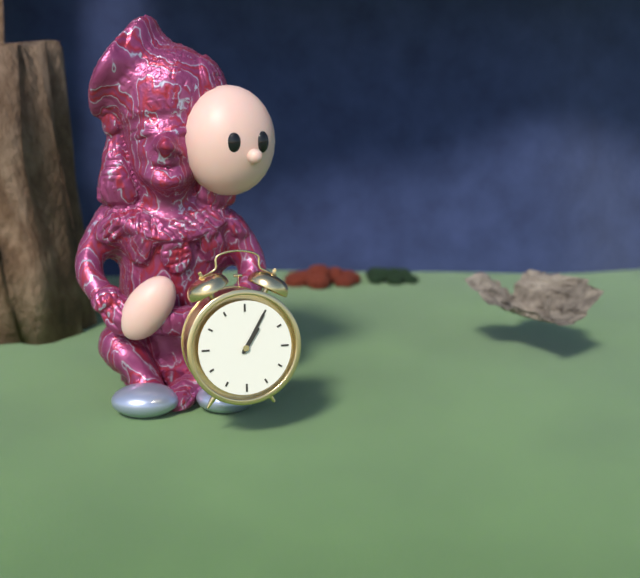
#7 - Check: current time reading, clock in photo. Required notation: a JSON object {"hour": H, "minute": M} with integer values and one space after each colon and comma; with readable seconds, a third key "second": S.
{"hour": 1, "minute": 5}
